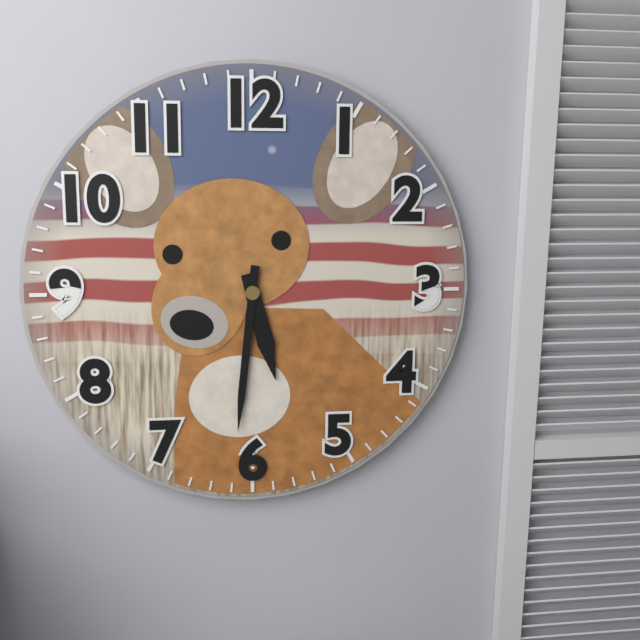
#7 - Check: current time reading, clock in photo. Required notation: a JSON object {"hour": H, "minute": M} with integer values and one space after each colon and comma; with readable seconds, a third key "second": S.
{"hour": 5, "minute": 31}
